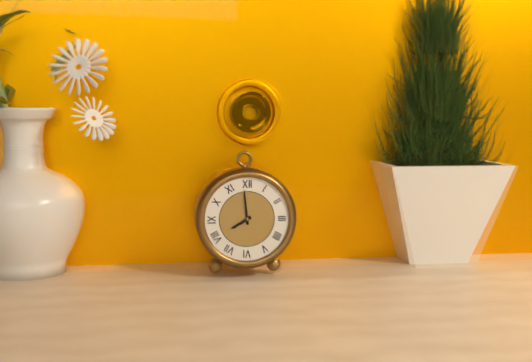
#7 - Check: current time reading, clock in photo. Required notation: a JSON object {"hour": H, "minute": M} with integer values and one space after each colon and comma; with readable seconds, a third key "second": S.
{"hour": 7, "minute": 59}
